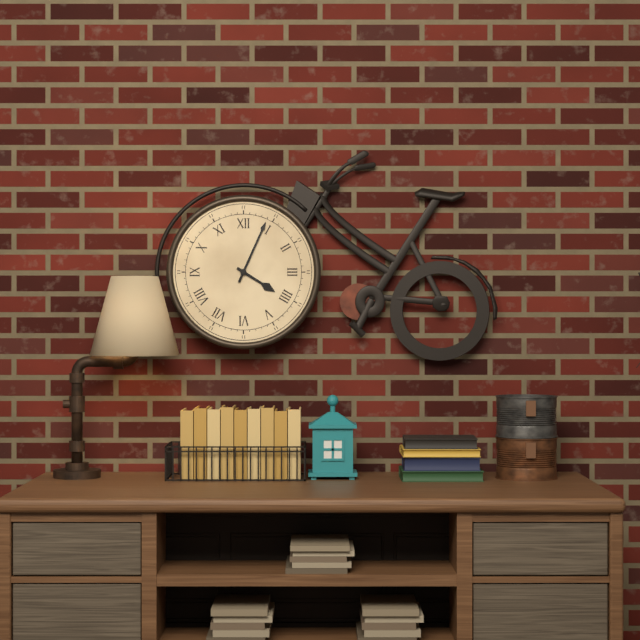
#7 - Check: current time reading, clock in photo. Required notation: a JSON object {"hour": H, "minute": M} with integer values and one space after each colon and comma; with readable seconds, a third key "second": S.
{"hour": 4, "minute": 4}
